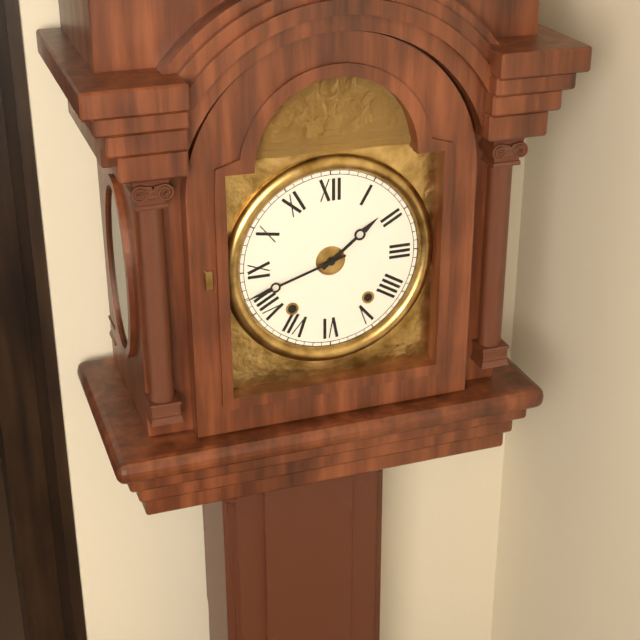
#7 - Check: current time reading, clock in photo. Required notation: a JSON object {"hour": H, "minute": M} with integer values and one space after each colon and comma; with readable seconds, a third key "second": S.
{"hour": 1, "minute": 42}
